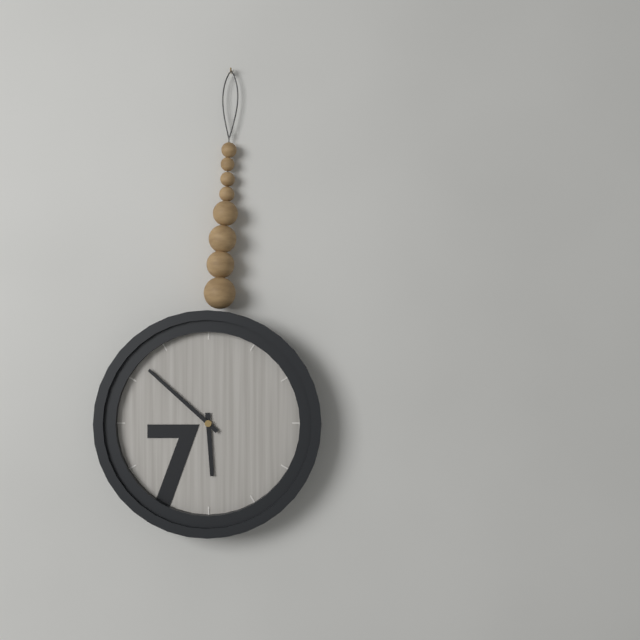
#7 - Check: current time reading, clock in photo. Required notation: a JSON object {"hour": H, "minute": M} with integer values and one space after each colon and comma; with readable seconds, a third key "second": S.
{"hour": 5, "minute": 52}
